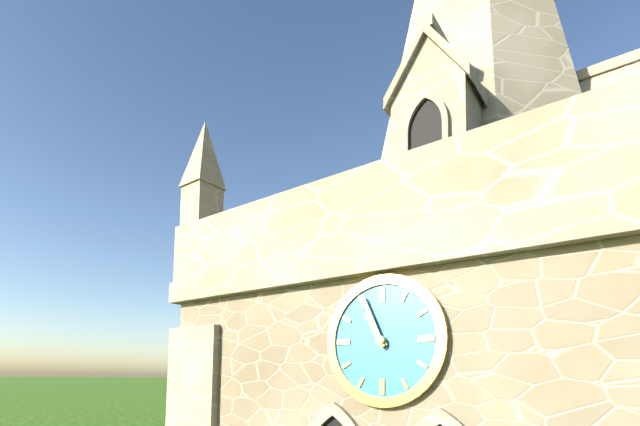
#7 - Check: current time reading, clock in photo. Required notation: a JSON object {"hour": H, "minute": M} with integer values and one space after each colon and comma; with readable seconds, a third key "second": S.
{"hour": 10, "minute": 56}
